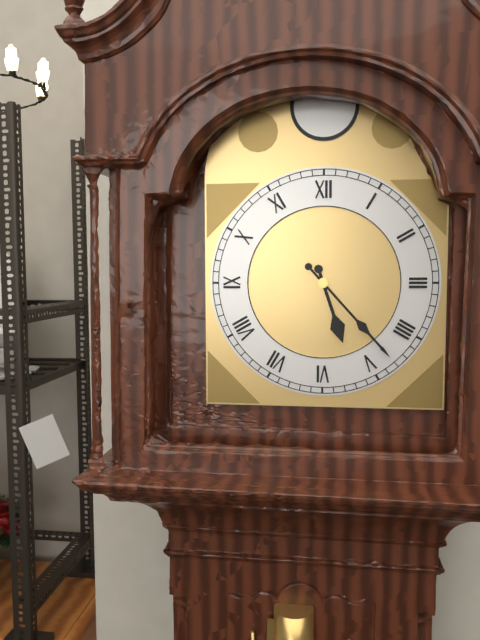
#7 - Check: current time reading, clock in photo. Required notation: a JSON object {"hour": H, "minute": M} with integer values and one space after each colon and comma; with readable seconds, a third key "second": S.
{"hour": 5, "minute": 23}
